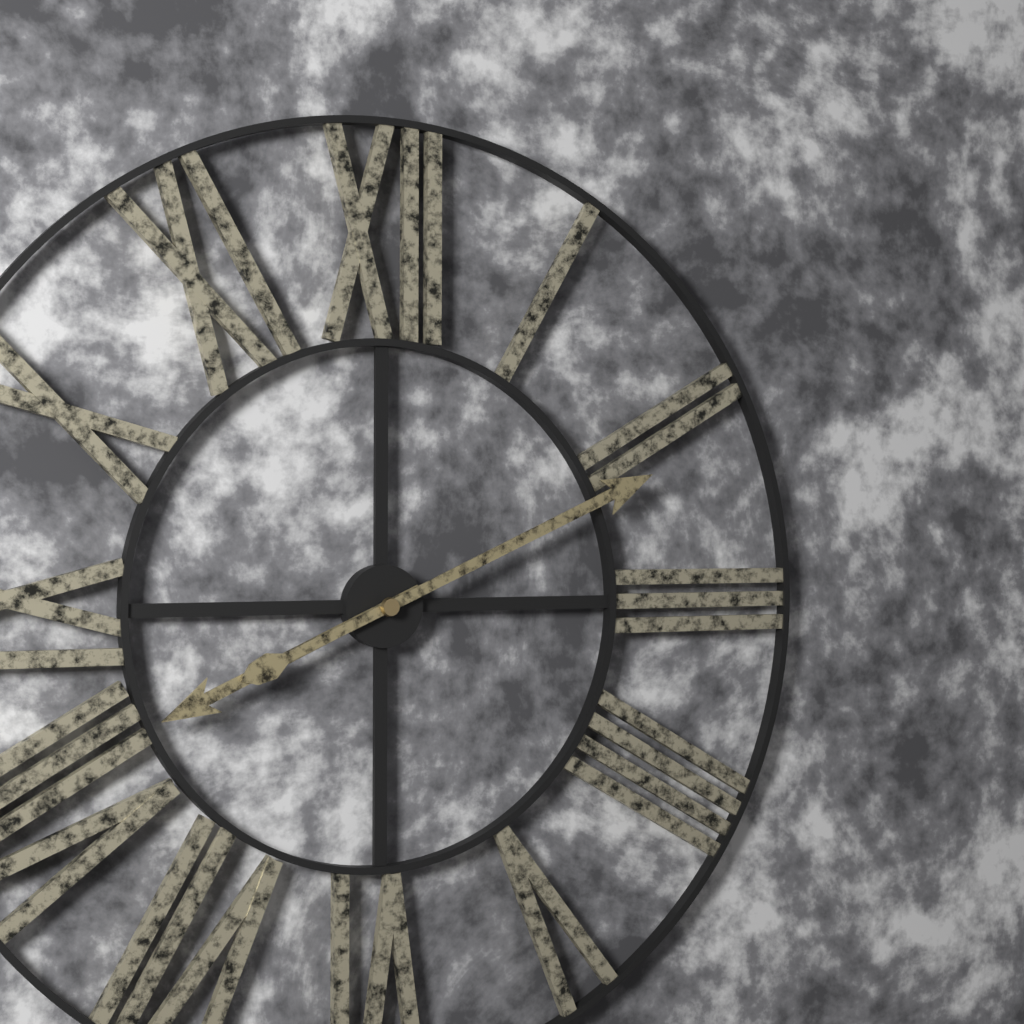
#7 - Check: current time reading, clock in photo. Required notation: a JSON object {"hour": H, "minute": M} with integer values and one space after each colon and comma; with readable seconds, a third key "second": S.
{"hour": 8, "minute": 11}
